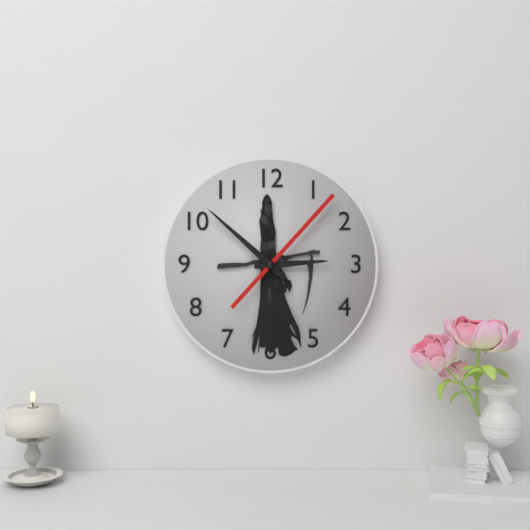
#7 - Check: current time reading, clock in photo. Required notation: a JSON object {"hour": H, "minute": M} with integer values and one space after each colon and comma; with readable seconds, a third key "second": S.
{"hour": 2, "minute": 52, "second": 7}
